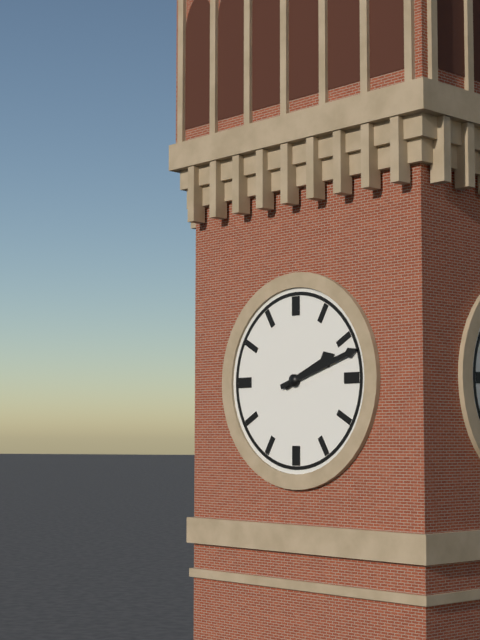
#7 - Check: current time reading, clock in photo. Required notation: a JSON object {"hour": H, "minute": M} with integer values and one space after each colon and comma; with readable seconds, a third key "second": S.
{"hour": 2, "minute": 12}
